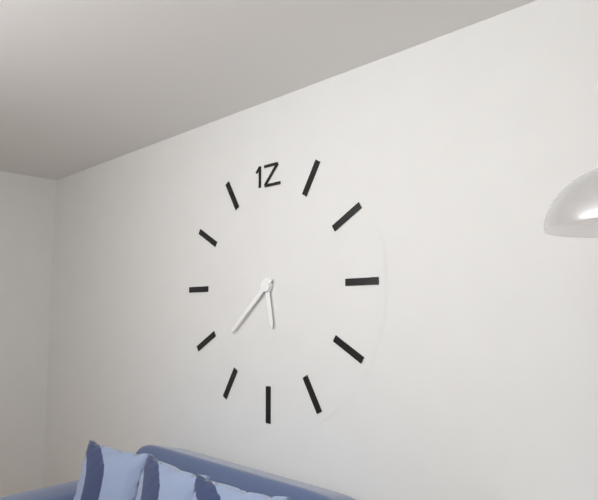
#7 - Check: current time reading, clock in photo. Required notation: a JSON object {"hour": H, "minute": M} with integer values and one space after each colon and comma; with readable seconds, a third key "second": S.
{"hour": 5, "minute": 38}
